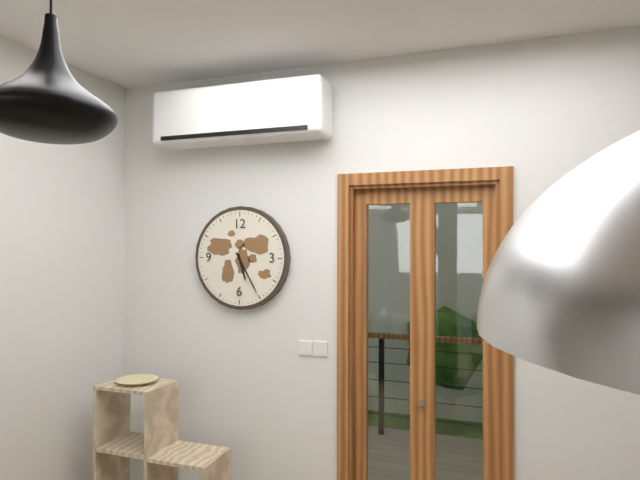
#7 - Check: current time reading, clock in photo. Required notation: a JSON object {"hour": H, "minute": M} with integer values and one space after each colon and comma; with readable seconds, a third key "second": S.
{"hour": 5, "minute": 25}
